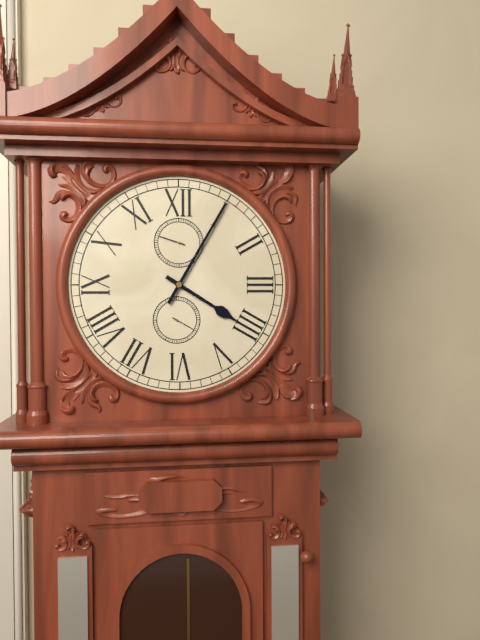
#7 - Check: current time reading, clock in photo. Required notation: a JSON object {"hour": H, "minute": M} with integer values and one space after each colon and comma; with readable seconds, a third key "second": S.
{"hour": 4, "minute": 5}
